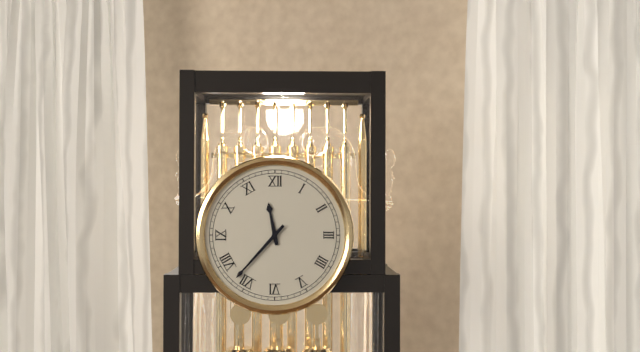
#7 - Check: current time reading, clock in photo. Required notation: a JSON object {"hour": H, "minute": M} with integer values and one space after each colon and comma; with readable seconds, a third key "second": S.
{"hour": 11, "minute": 37}
